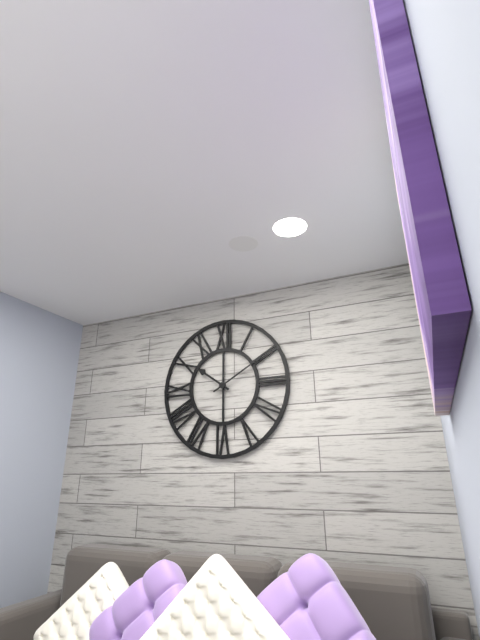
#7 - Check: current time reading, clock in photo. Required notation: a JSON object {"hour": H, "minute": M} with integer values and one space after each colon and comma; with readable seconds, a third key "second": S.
{"hour": 10, "minute": 10}
